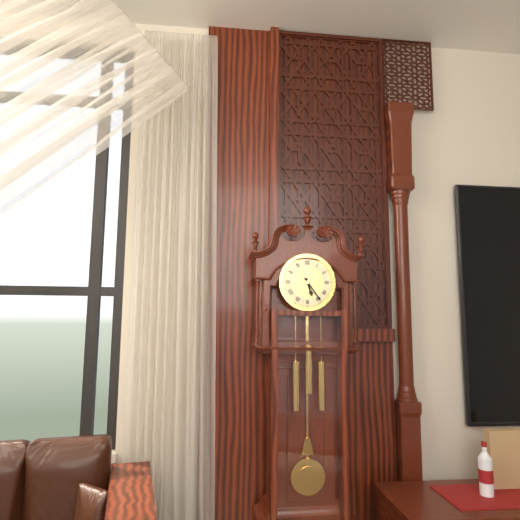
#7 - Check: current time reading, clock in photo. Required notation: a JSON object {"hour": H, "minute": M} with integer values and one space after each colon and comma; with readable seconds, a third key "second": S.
{"hour": 5, "minute": 24}
